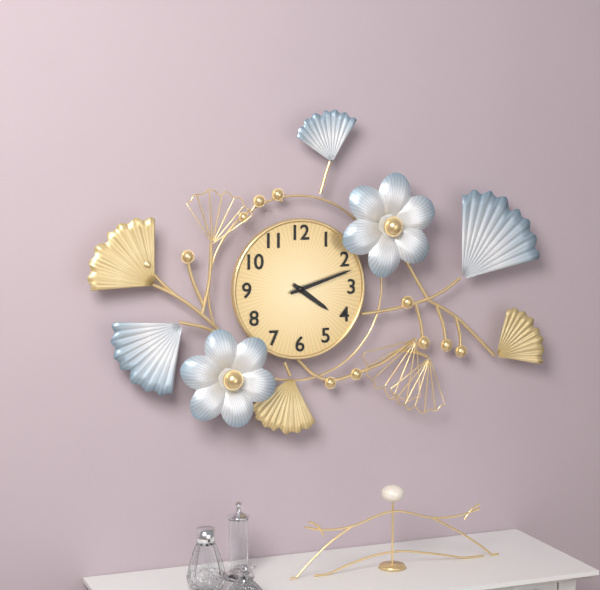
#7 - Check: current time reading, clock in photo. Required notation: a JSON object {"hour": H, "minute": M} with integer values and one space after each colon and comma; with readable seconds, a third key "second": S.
{"hour": 4, "minute": 12}
